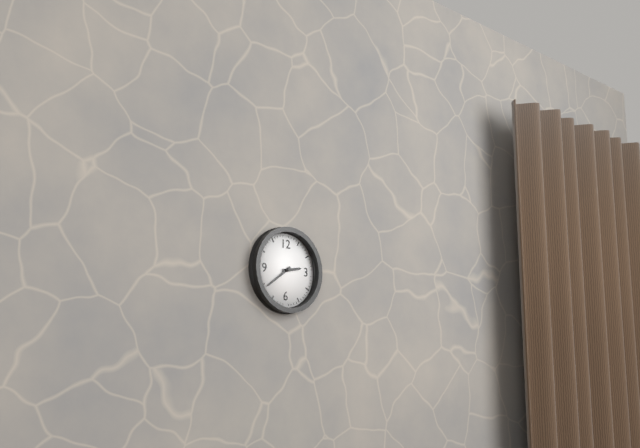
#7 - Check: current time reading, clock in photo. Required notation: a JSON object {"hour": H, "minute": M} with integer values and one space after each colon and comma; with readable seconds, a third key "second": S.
{"hour": 2, "minute": 39}
